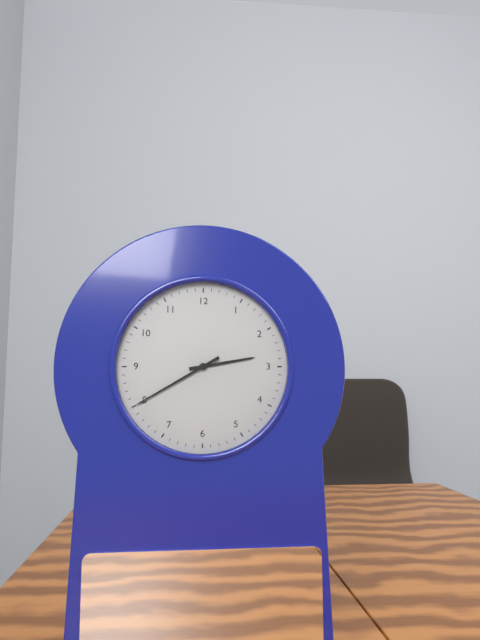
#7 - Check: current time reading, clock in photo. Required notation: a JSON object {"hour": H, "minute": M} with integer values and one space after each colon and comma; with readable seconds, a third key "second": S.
{"hour": 2, "minute": 40}
